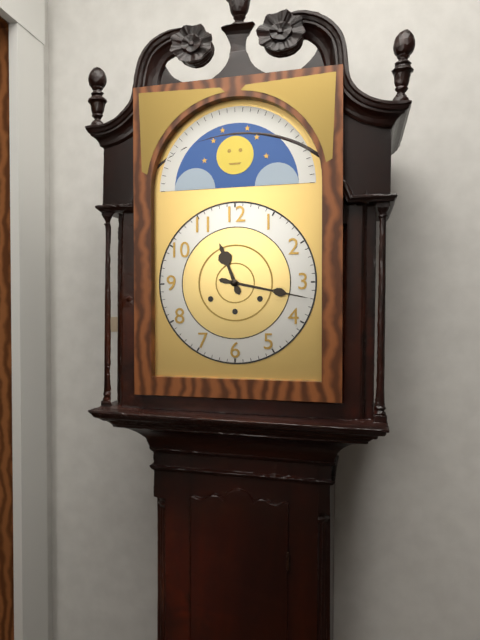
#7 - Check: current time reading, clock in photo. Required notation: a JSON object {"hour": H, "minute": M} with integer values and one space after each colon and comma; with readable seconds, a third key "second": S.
{"hour": 11, "minute": 17}
